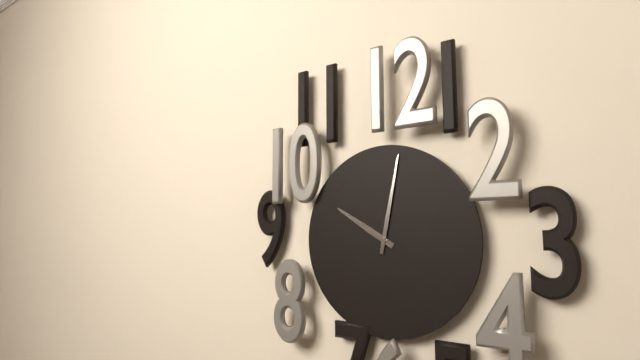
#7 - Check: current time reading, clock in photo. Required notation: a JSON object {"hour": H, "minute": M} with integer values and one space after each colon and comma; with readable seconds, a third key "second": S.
{"hour": 10, "minute": 2}
